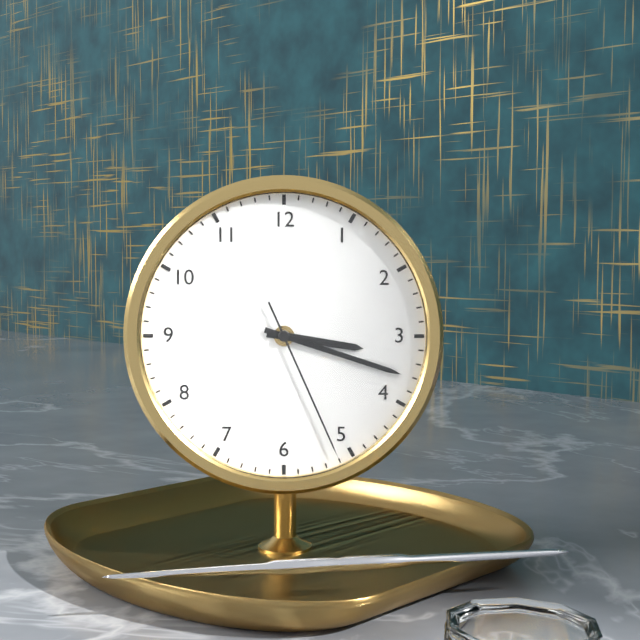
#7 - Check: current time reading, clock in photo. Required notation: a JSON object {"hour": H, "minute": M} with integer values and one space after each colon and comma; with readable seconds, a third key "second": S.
{"hour": 3, "minute": 18, "second": 26}
